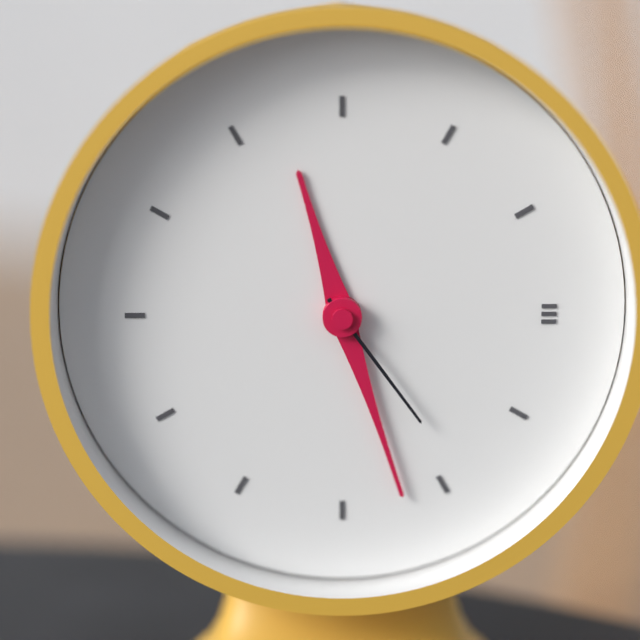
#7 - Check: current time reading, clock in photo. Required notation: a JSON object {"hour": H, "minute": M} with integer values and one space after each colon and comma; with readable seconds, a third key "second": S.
{"hour": 11, "minute": 27, "second": 24}
